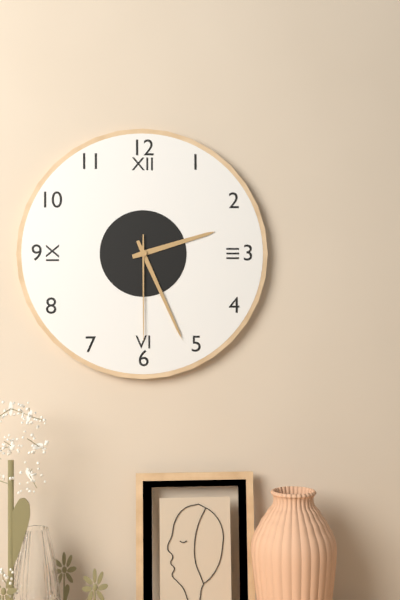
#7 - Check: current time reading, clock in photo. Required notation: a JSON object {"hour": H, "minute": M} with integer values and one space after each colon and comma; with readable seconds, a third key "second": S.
{"hour": 2, "minute": 26, "second": 30}
